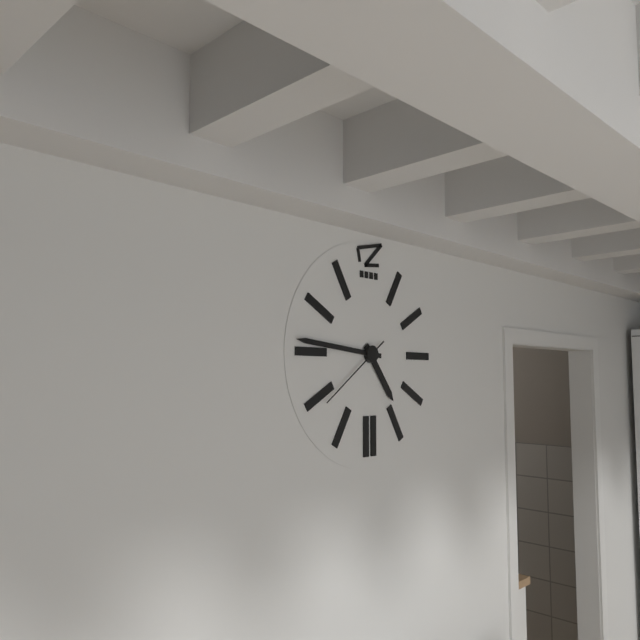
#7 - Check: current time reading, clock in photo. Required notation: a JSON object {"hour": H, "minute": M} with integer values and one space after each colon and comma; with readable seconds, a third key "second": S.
{"hour": 4, "minute": 46, "second": 39}
